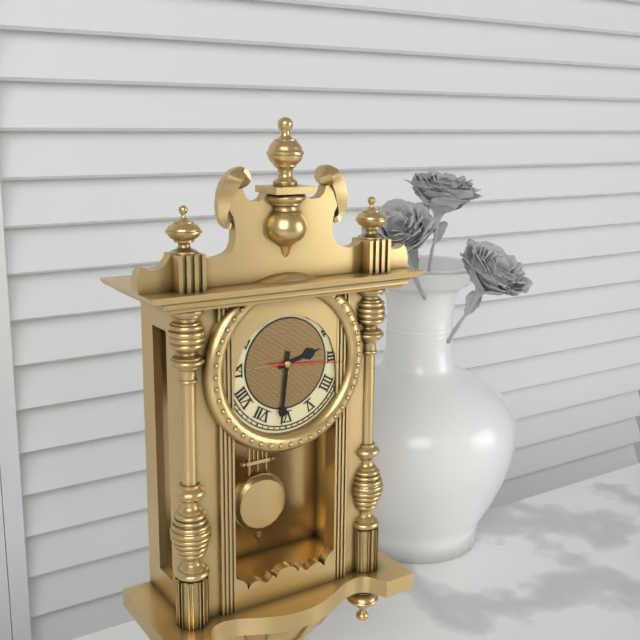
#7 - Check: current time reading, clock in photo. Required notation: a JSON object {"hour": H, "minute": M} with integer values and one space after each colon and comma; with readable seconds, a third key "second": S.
{"hour": 2, "minute": 31, "second": 16}
